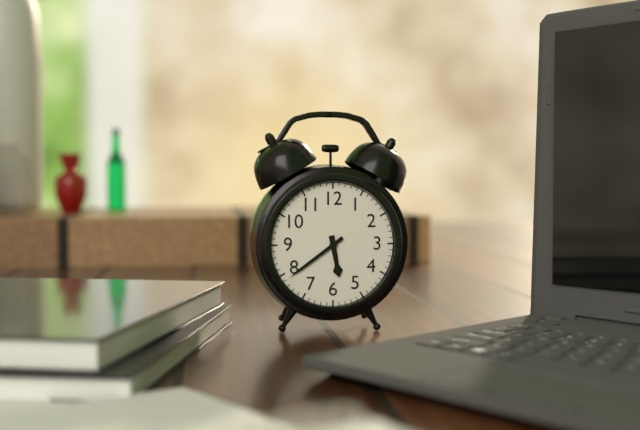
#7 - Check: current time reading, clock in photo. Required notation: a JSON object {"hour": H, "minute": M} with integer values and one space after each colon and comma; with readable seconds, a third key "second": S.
{"hour": 5, "minute": 39}
